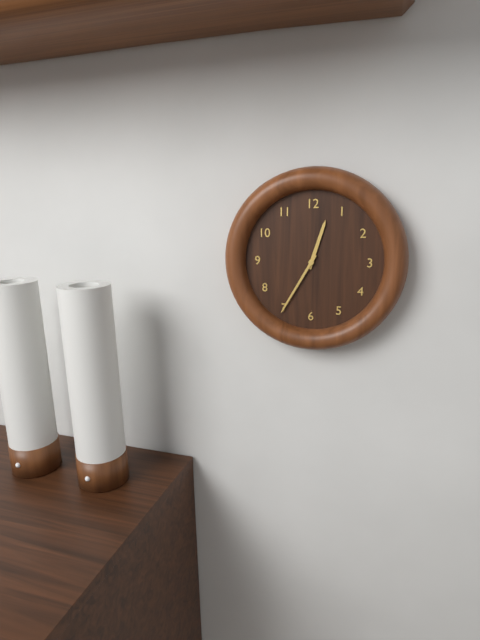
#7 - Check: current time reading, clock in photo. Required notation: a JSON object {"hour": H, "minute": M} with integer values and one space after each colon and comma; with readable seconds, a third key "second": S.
{"hour": 12, "minute": 35}
